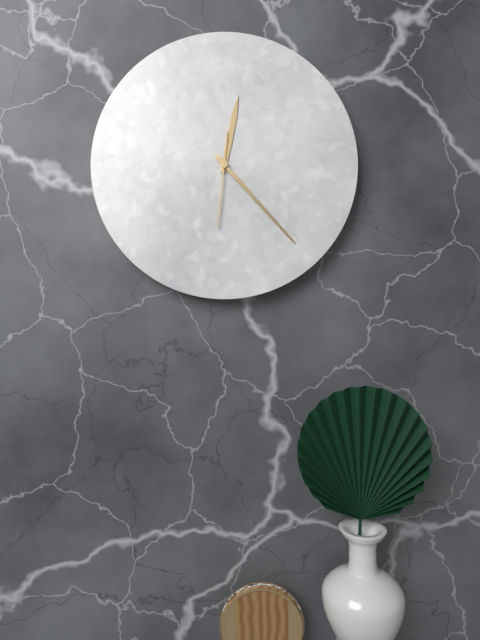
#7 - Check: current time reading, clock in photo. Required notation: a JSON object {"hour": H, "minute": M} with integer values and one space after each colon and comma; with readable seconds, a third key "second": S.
{"hour": 12, "minute": 23, "second": 31}
